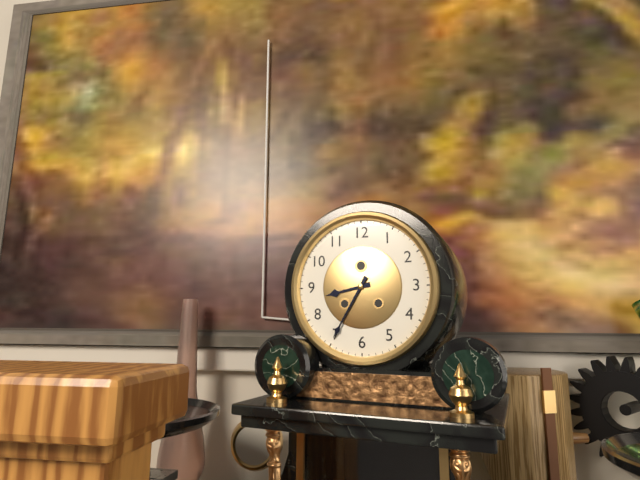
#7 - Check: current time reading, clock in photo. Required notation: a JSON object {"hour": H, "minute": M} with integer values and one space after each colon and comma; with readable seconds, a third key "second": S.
{"hour": 8, "minute": 35}
